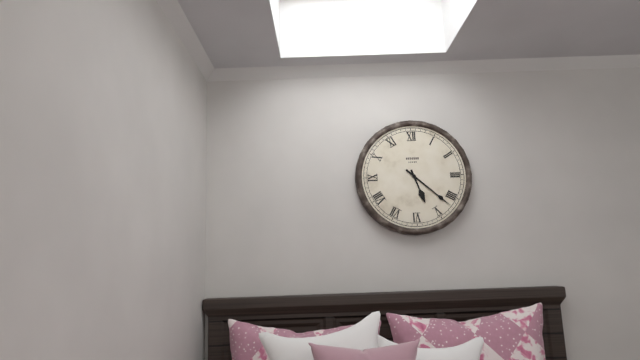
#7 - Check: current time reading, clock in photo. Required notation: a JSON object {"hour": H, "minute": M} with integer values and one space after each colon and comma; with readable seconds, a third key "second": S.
{"hour": 5, "minute": 22}
